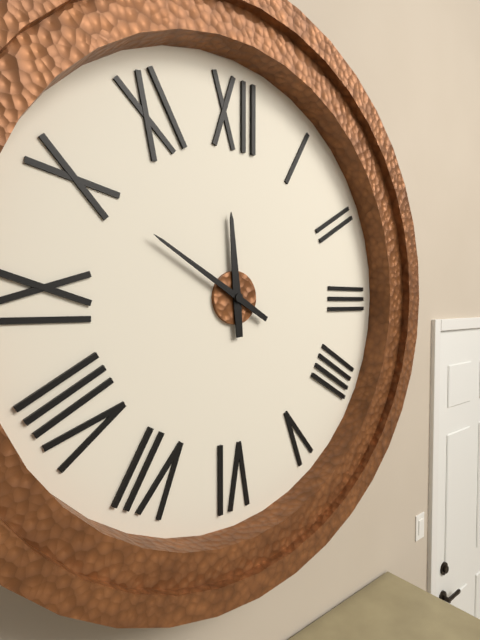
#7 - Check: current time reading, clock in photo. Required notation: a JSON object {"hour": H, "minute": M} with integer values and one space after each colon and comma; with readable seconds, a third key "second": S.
{"hour": 11, "minute": 50}
